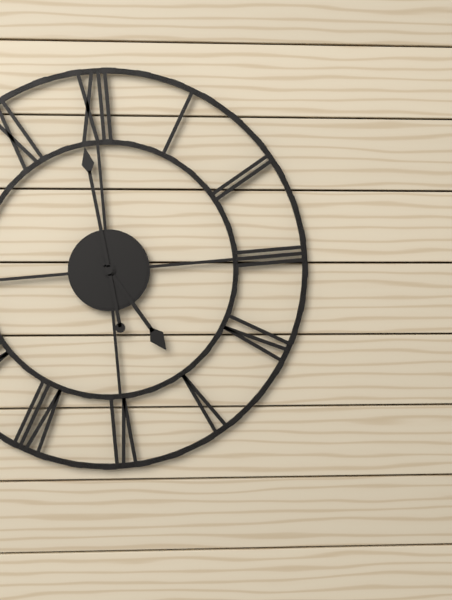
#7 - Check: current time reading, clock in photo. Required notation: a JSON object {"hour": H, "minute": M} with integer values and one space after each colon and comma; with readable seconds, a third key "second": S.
{"hour": 4, "minute": 59}
